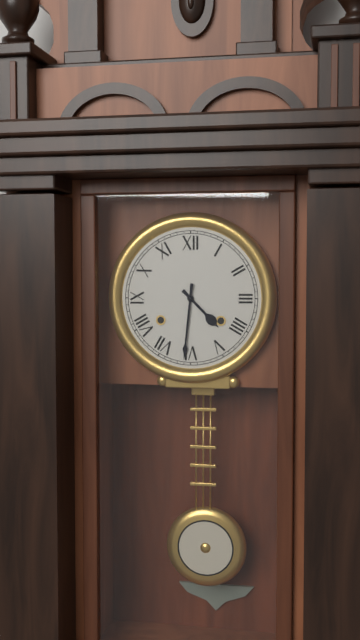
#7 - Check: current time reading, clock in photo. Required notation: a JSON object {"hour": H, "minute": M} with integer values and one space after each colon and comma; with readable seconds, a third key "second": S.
{"hour": 4, "minute": 31}
